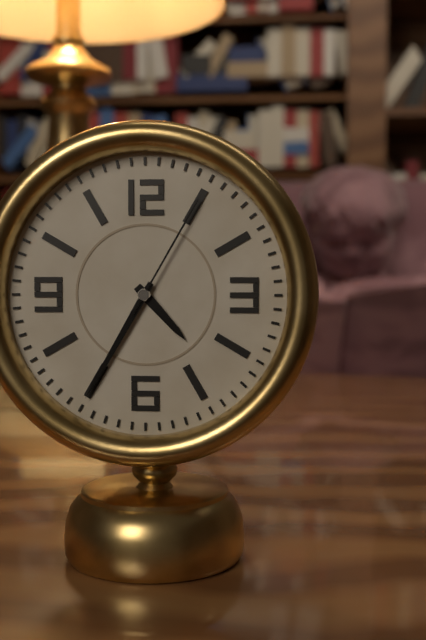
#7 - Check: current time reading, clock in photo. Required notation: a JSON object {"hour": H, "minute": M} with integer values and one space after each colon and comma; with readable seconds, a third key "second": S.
{"hour": 4, "minute": 35, "second": 5}
